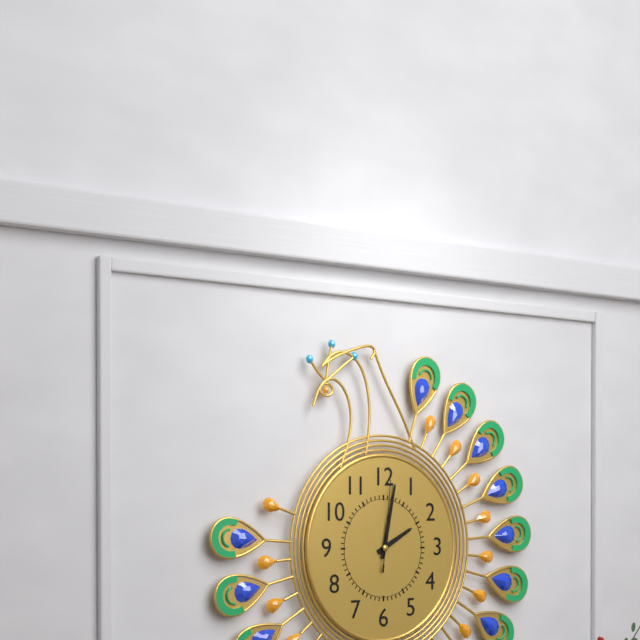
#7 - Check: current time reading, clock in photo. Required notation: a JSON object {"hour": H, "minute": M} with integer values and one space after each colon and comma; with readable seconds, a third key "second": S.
{"hour": 2, "minute": 2, "second": 1}
